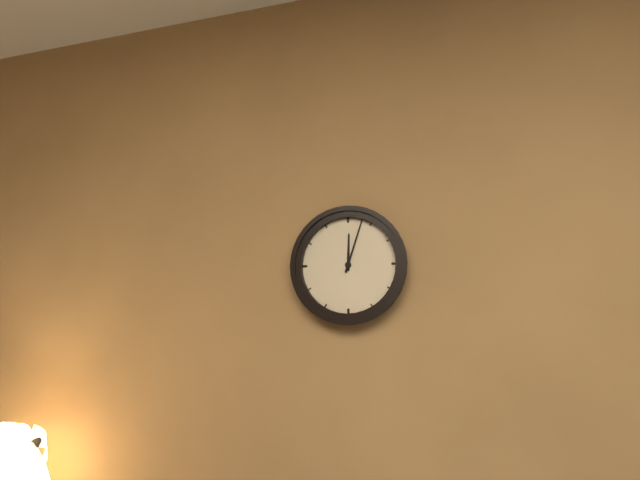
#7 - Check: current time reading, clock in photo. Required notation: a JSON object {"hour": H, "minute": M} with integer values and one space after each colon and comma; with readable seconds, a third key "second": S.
{"hour": 12, "minute": 3}
